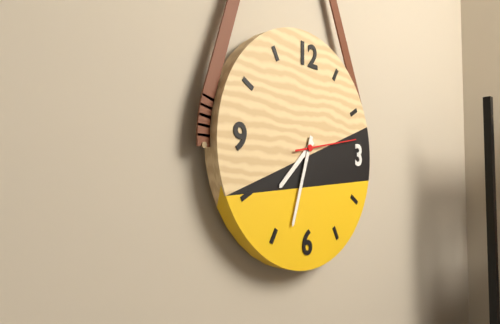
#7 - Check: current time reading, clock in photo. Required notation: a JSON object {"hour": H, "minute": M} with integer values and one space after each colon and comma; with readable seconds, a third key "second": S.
{"hour": 7, "minute": 33, "second": 13}
